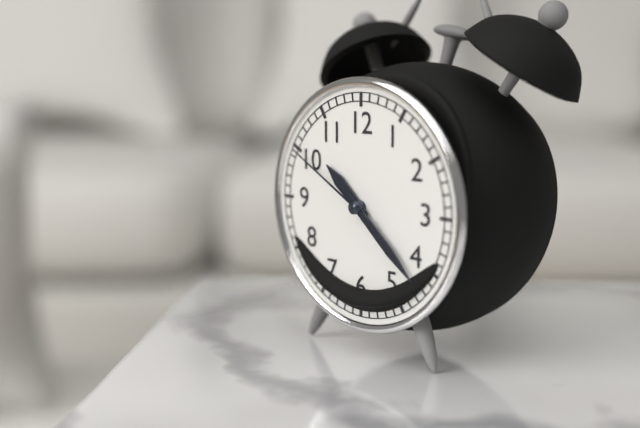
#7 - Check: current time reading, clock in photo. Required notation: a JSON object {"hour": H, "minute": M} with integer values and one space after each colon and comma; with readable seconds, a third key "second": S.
{"hour": 10, "minute": 22, "second": 50}
